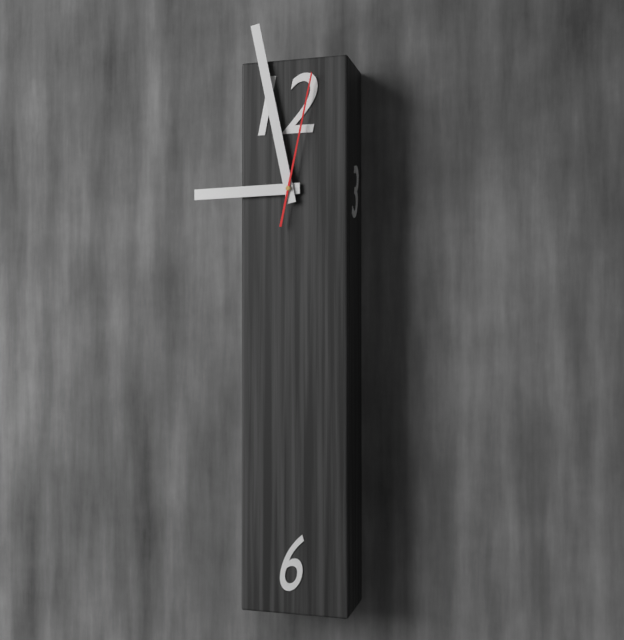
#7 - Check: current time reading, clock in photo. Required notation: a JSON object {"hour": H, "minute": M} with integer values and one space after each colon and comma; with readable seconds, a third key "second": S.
{"hour": 8, "minute": 58, "second": 2}
